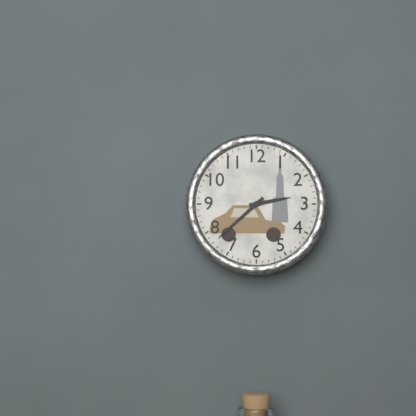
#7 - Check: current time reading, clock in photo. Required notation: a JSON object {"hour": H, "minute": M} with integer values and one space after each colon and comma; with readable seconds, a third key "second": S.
{"hour": 2, "minute": 38}
